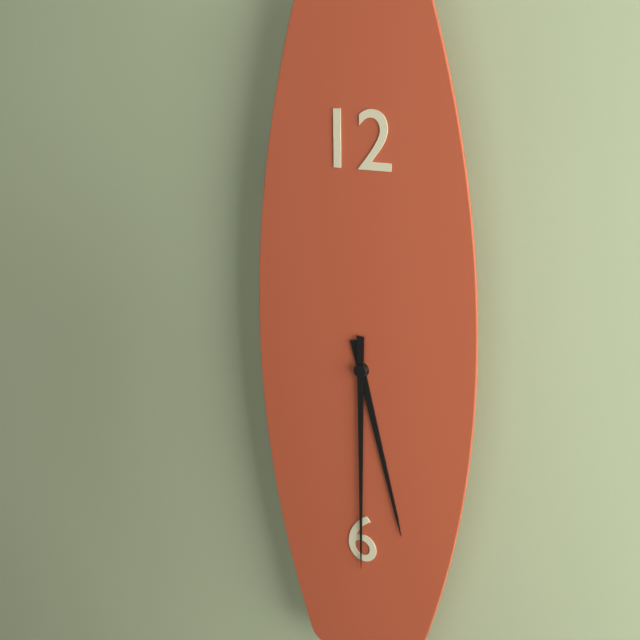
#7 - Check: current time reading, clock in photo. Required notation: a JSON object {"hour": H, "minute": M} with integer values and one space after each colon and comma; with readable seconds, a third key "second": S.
{"hour": 5, "minute": 30}
